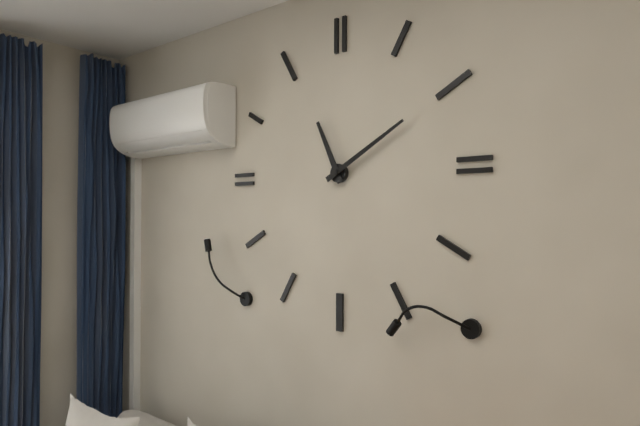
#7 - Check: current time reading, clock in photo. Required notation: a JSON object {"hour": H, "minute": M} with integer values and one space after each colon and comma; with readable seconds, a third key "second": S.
{"hour": 11, "minute": 10}
